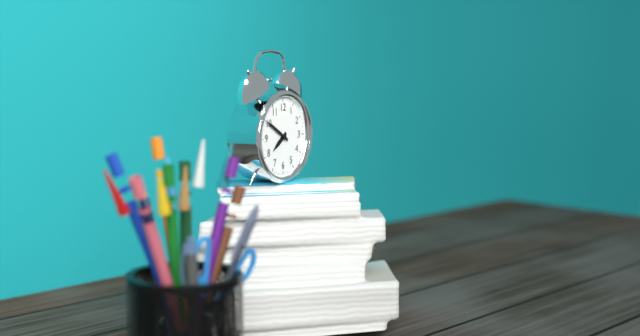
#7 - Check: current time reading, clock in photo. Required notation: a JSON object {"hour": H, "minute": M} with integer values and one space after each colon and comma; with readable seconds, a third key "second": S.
{"hour": 7, "minute": 50}
